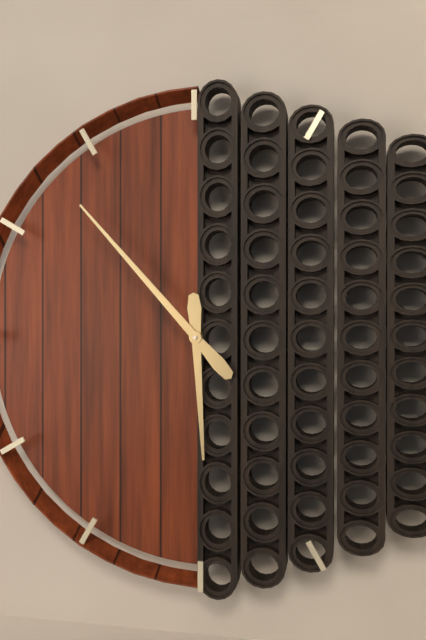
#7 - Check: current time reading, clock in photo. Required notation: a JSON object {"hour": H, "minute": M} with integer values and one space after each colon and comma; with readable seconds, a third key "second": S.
{"hour": 5, "minute": 53}
